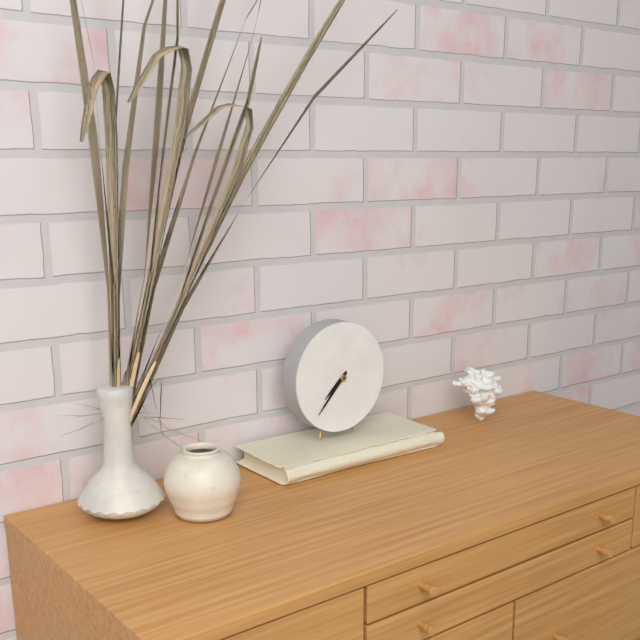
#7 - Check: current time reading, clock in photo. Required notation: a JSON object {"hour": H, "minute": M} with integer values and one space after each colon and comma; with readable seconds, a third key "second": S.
{"hour": 7, "minute": 37}
